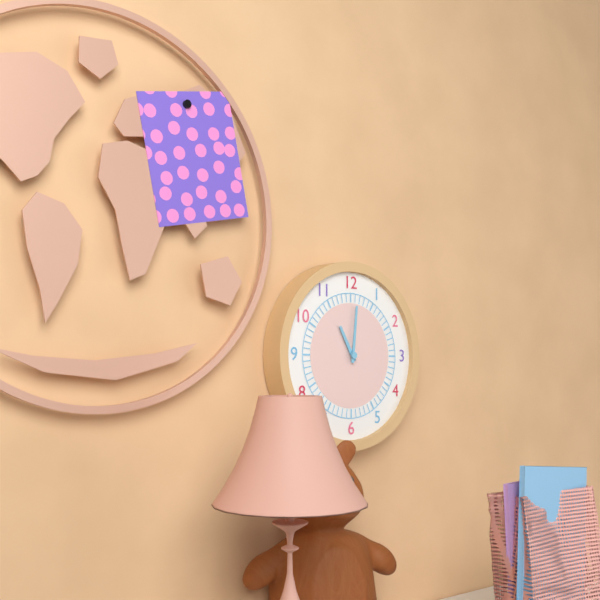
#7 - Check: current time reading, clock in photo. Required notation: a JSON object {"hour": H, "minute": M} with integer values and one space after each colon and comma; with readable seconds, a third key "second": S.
{"hour": 11, "minute": 1}
